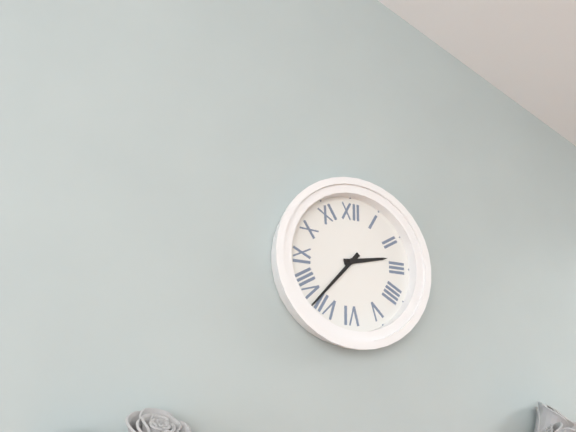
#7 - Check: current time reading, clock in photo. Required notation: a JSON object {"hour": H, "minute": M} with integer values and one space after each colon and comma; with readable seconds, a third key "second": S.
{"hour": 2, "minute": 37}
